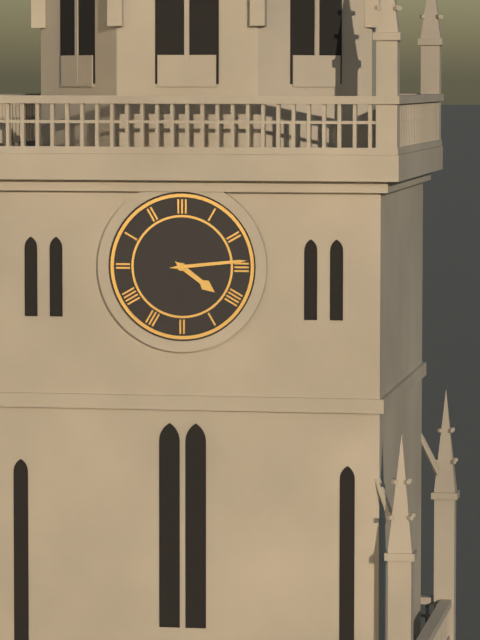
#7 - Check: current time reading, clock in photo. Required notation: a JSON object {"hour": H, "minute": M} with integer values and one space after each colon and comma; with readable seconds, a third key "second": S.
{"hour": 4, "minute": 14}
